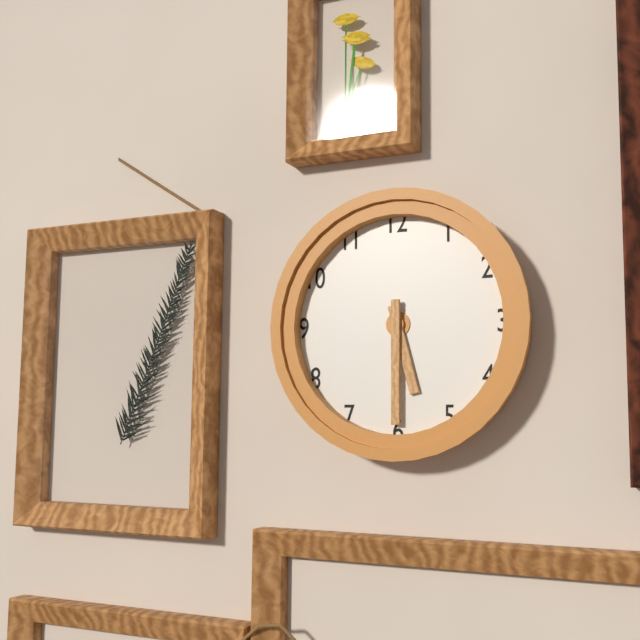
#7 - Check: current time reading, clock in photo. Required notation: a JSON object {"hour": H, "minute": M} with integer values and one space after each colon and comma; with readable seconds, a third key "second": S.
{"hour": 5, "minute": 30}
